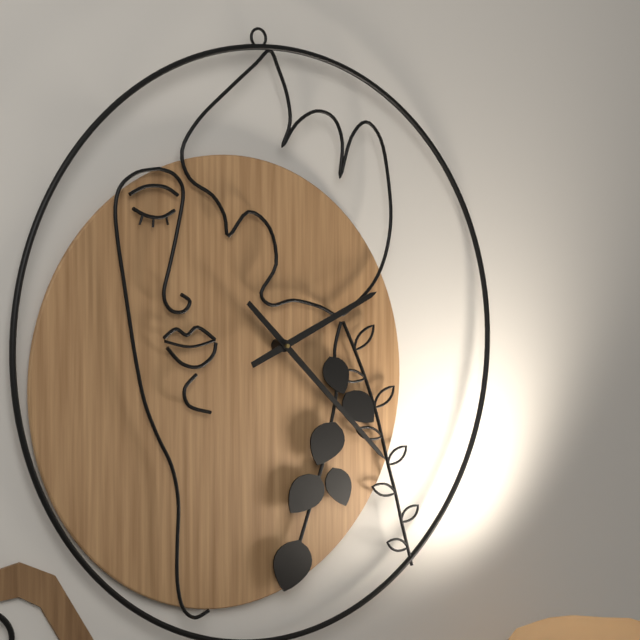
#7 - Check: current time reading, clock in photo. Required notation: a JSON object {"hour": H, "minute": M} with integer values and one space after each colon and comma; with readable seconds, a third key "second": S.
{"hour": 2, "minute": 23}
